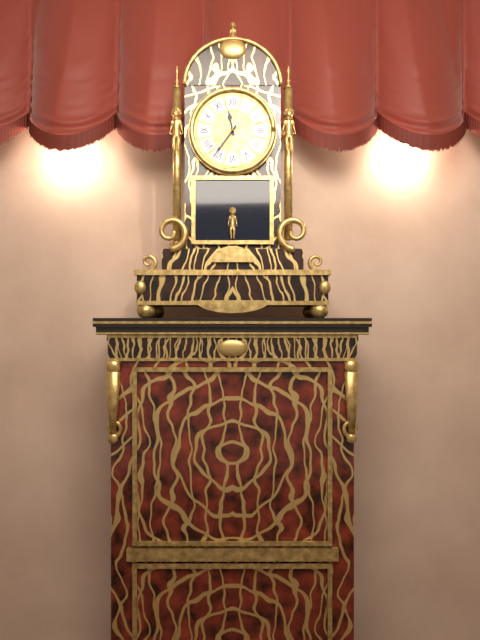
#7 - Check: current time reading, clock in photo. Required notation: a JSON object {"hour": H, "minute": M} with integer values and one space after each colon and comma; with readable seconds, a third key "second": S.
{"hour": 11, "minute": 36}
